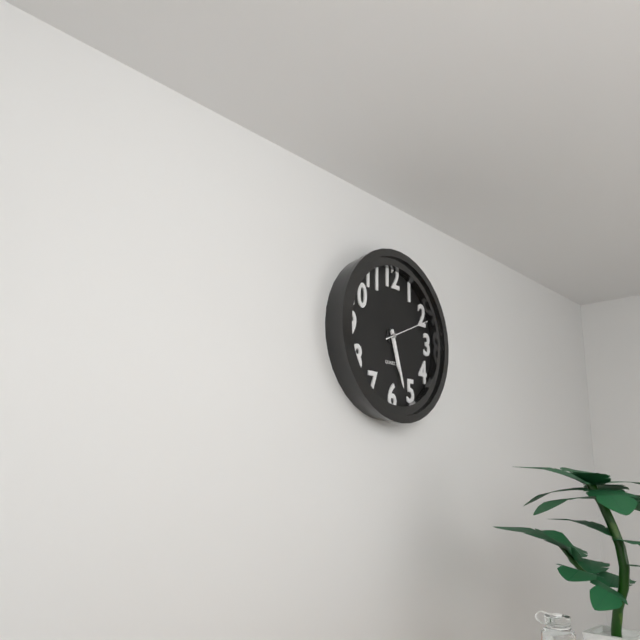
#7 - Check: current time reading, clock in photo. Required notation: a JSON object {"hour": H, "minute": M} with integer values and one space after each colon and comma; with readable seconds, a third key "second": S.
{"hour": 5, "minute": 27, "second": 11}
